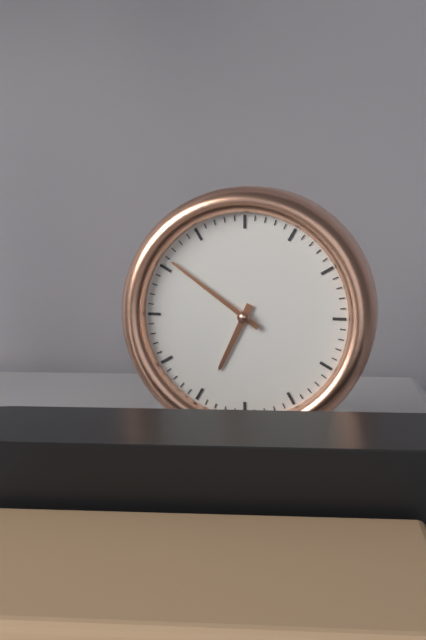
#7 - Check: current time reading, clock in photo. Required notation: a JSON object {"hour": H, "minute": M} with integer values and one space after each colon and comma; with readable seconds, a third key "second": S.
{"hour": 6, "minute": 51}
